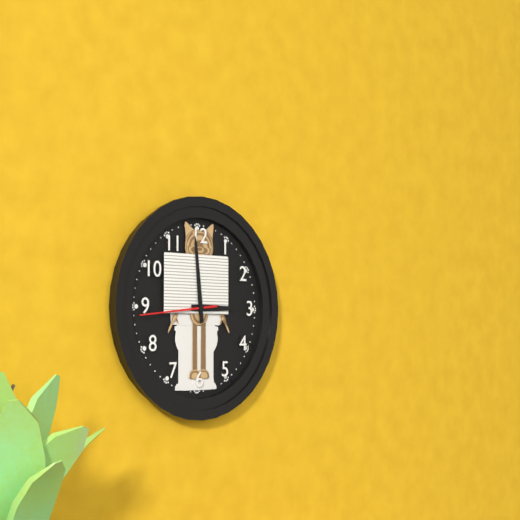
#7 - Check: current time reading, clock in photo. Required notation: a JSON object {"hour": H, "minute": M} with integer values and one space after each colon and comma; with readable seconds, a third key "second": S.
{"hour": 2, "minute": 59, "second": 44}
